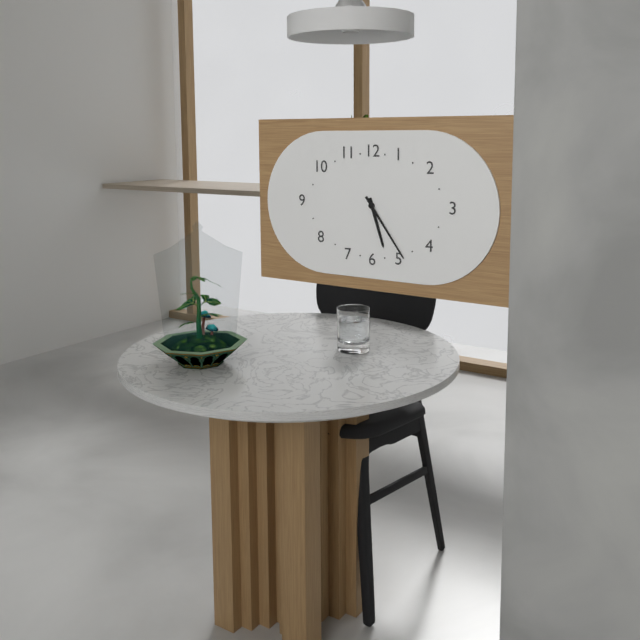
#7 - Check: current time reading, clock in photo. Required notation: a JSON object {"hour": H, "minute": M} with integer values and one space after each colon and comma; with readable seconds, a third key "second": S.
{"hour": 5, "minute": 24}
